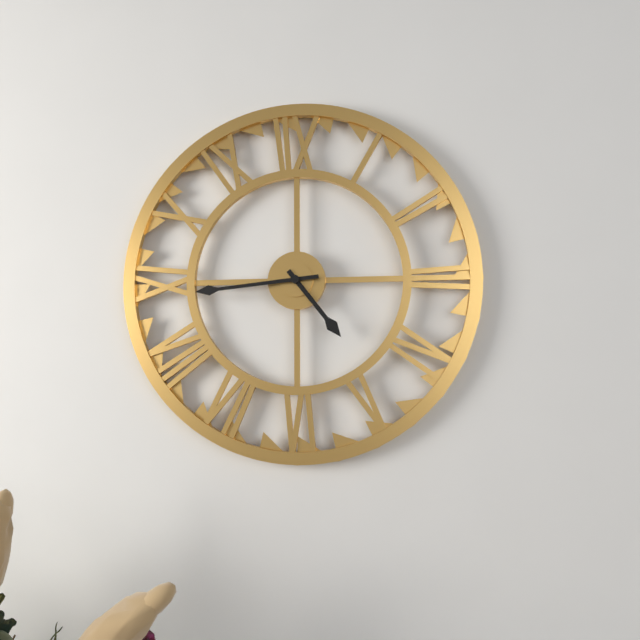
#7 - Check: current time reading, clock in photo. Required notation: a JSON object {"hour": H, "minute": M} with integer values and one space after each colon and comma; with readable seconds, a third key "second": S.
{"hour": 4, "minute": 44}
